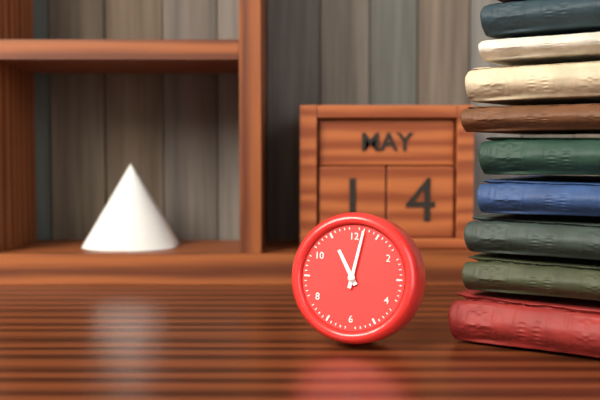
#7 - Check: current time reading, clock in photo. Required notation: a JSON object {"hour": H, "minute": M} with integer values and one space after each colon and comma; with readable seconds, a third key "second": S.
{"hour": 11, "minute": 2}
